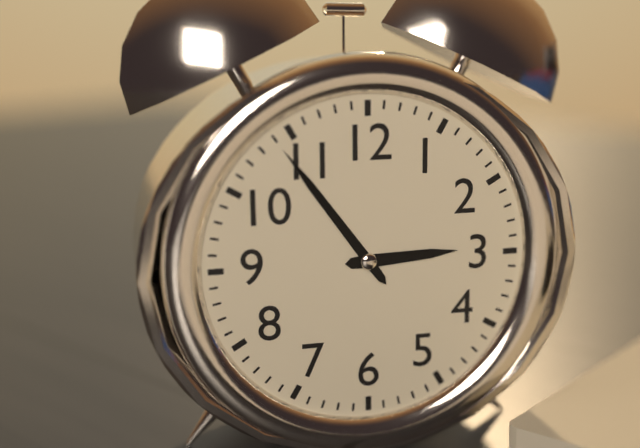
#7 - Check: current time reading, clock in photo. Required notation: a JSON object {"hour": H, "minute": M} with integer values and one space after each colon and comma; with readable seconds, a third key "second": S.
{"hour": 2, "minute": 54}
